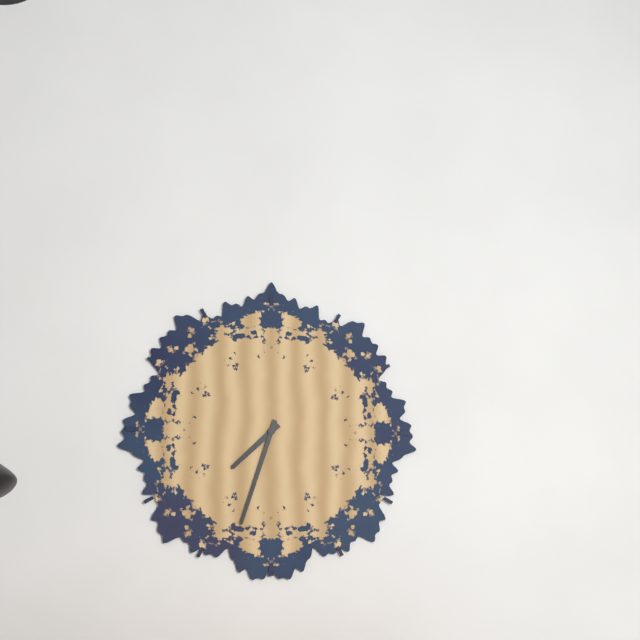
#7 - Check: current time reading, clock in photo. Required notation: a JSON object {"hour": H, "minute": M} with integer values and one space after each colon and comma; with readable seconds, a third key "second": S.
{"hour": 7, "minute": 33}
